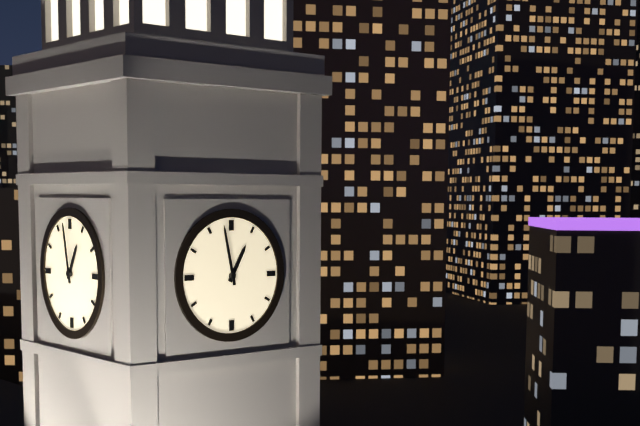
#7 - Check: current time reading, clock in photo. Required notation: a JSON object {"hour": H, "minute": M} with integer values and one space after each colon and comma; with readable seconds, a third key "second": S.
{"hour": 12, "minute": 58}
